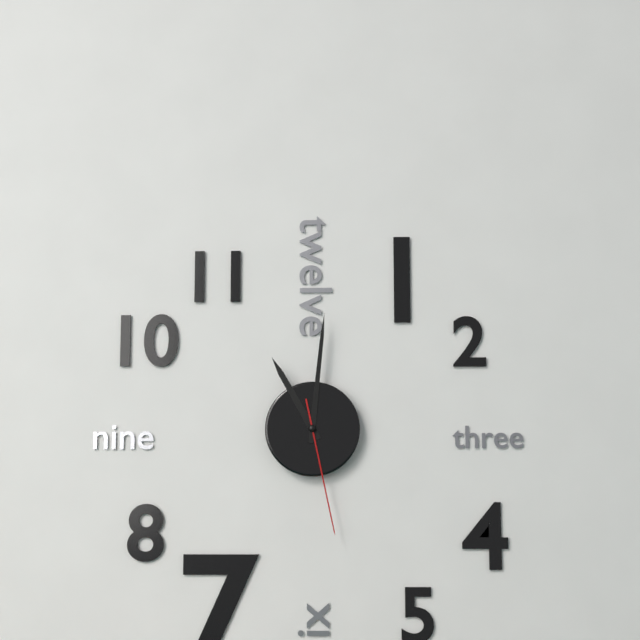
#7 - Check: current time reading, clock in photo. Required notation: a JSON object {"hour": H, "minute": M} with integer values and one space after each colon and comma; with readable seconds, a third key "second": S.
{"hour": 11, "minute": 1, "second": 28}
